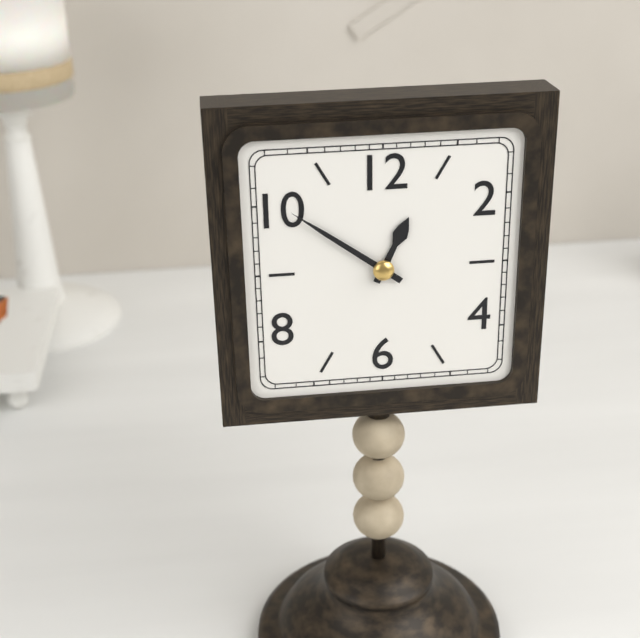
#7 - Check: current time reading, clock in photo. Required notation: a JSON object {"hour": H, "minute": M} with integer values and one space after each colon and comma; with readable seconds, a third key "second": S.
{"hour": 12, "minute": 51}
